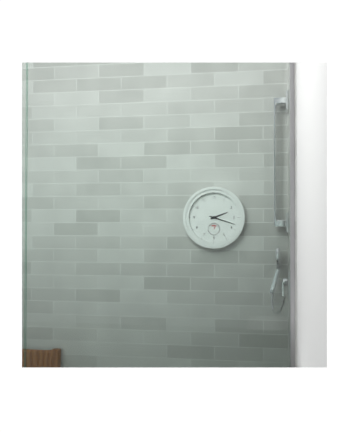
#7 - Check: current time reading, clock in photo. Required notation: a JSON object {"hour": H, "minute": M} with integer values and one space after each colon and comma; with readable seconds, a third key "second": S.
{"hour": 2, "minute": 18}
